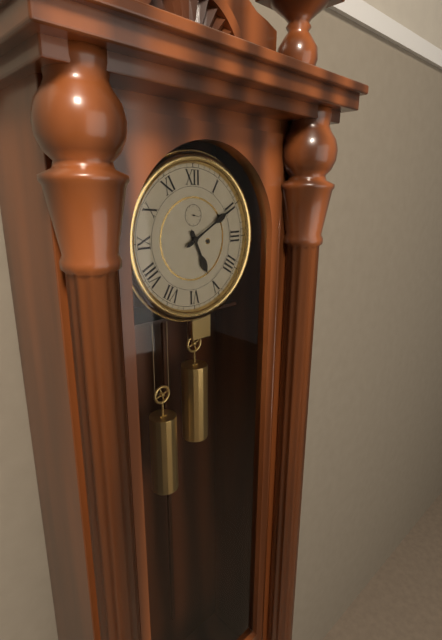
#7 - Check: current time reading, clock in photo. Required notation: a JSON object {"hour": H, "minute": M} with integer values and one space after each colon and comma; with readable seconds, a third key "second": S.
{"hour": 5, "minute": 10}
